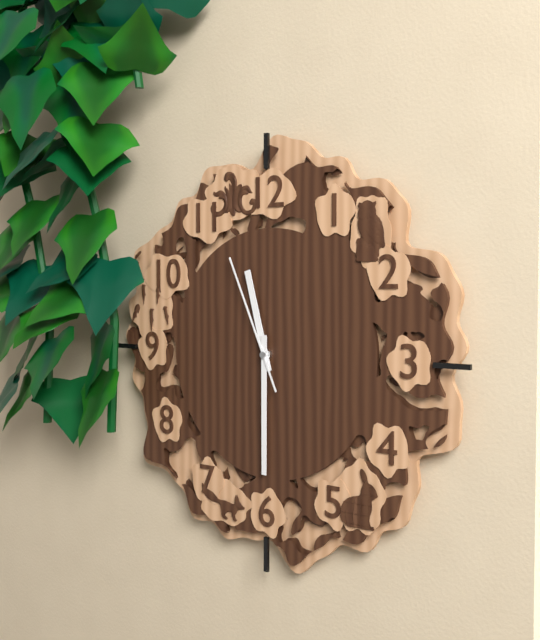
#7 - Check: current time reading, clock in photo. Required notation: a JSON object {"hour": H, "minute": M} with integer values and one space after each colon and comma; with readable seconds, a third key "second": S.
{"hour": 11, "minute": 30, "second": 56}
